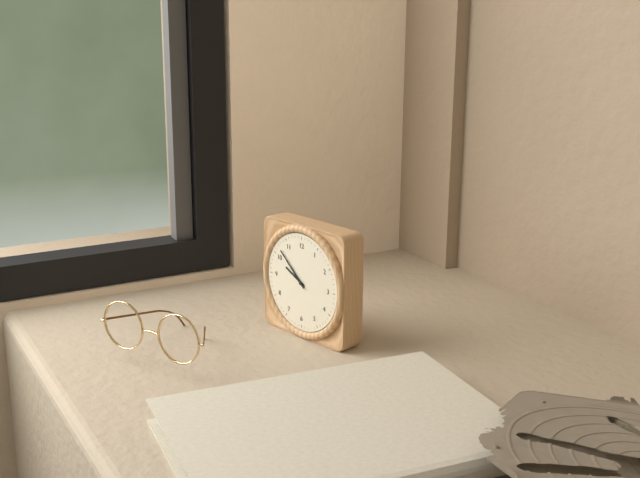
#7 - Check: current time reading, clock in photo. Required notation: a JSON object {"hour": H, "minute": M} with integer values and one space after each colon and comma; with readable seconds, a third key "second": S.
{"hour": 9, "minute": 52}
